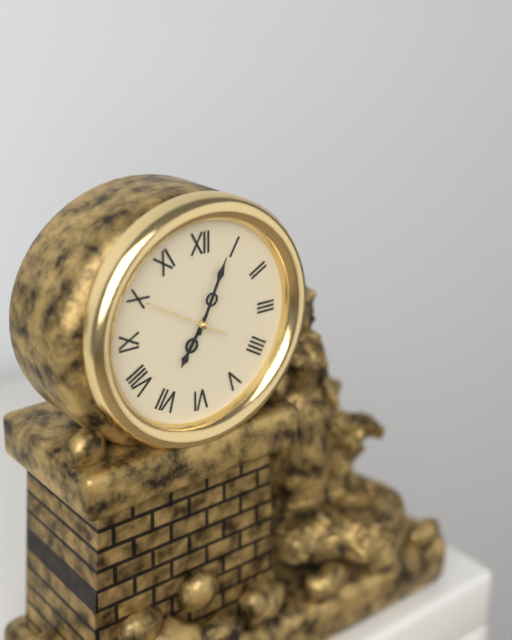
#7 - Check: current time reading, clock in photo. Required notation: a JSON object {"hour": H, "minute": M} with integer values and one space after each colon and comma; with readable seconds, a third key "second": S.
{"hour": 7, "minute": 4, "second": 50}
